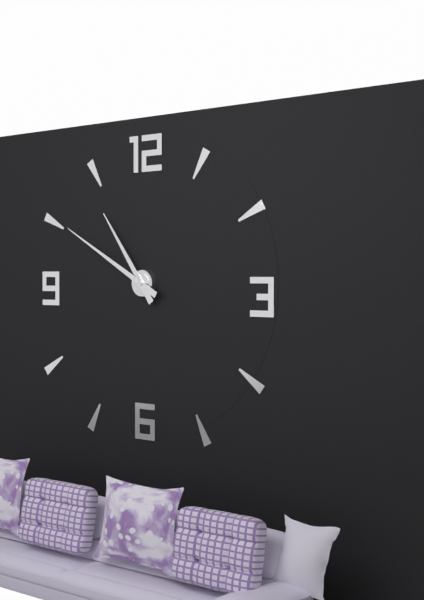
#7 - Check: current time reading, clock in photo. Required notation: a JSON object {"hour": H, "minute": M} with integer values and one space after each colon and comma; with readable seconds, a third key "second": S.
{"hour": 10, "minute": 50}
